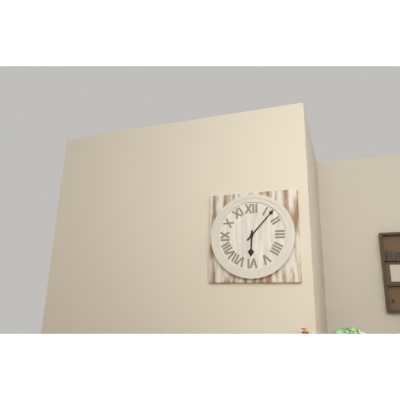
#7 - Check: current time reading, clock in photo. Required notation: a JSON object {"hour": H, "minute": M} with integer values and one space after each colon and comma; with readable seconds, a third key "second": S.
{"hour": 6, "minute": 7}
